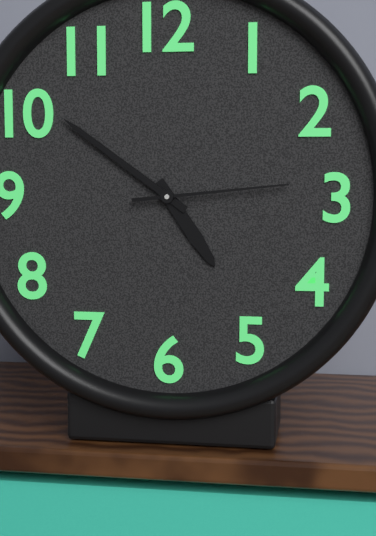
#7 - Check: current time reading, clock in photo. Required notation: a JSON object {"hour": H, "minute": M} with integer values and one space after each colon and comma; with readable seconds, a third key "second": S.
{"hour": 4, "minute": 51, "second": 14}
